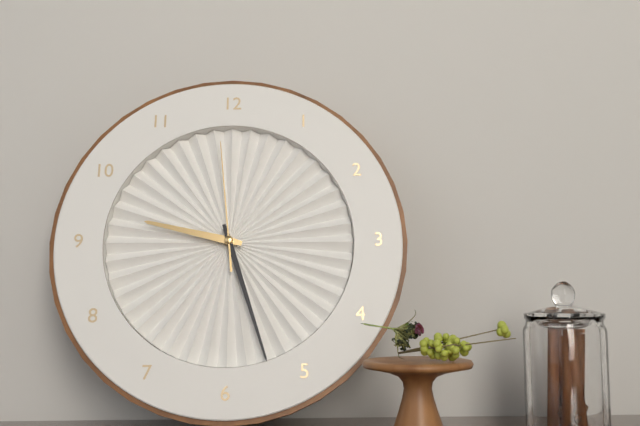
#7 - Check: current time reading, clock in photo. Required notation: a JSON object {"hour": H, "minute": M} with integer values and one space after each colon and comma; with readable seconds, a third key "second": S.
{"hour": 9, "minute": 27, "second": 59}
